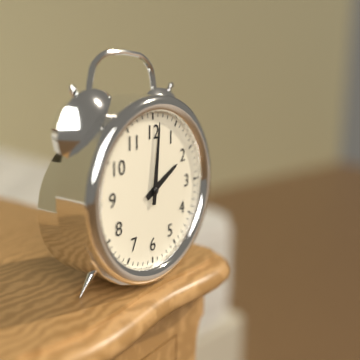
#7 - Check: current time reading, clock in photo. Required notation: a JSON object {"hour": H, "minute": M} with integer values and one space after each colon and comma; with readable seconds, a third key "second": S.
{"hour": 2, "minute": 1}
